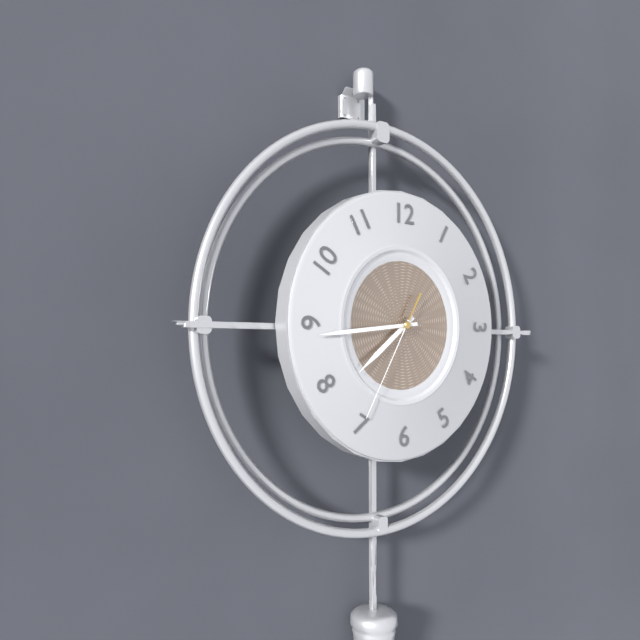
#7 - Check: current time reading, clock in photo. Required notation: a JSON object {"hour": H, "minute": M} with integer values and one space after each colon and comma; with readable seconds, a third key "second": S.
{"hour": 7, "minute": 44, "second": 35}
